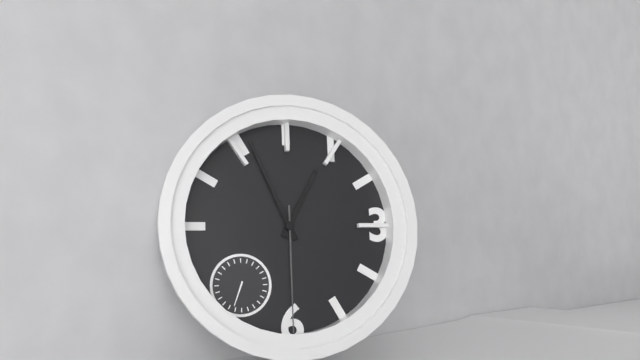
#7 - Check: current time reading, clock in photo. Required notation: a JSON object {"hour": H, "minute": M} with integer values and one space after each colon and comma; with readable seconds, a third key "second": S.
{"hour": 12, "minute": 56, "second": 30}
